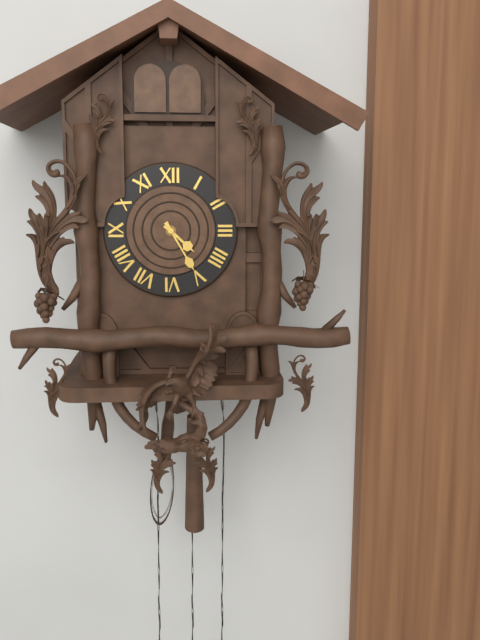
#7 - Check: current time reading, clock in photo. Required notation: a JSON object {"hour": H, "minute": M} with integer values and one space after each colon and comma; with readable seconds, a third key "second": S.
{"hour": 4, "minute": 25}
